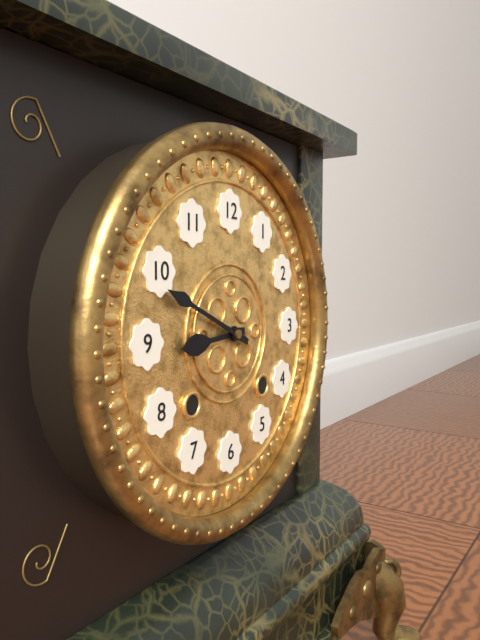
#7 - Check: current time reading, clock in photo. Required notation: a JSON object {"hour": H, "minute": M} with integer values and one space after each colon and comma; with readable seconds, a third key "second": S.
{"hour": 8, "minute": 49}
